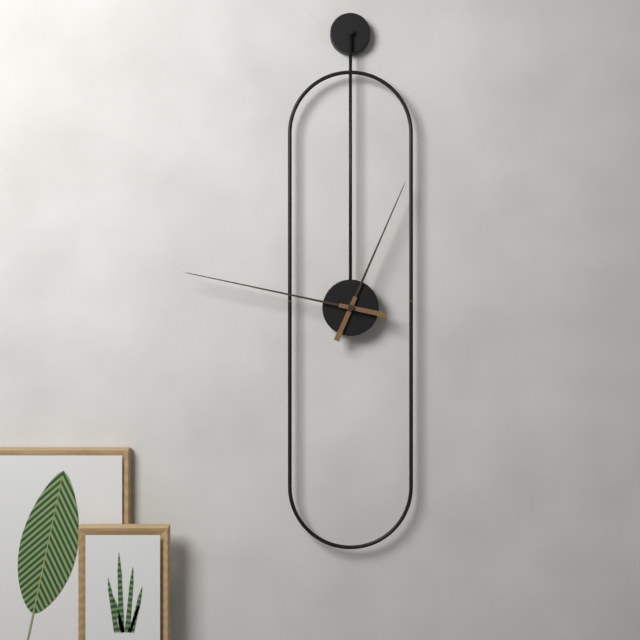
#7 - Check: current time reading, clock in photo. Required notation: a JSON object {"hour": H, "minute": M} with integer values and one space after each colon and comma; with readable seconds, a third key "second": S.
{"hour": 12, "minute": 47}
